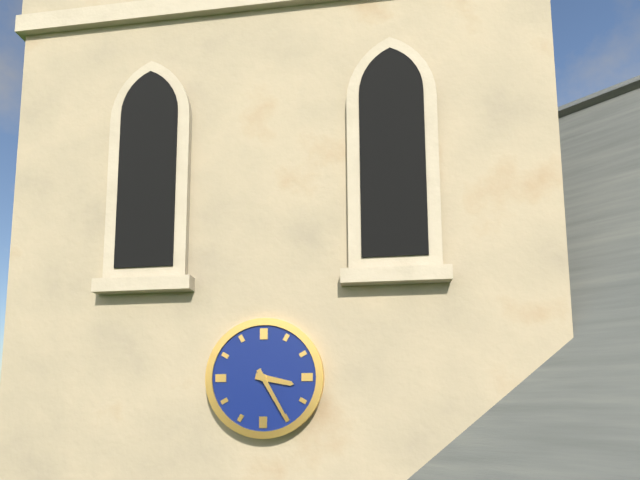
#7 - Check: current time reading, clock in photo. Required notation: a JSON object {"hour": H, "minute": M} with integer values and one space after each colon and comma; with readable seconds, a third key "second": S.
{"hour": 3, "minute": 25}
